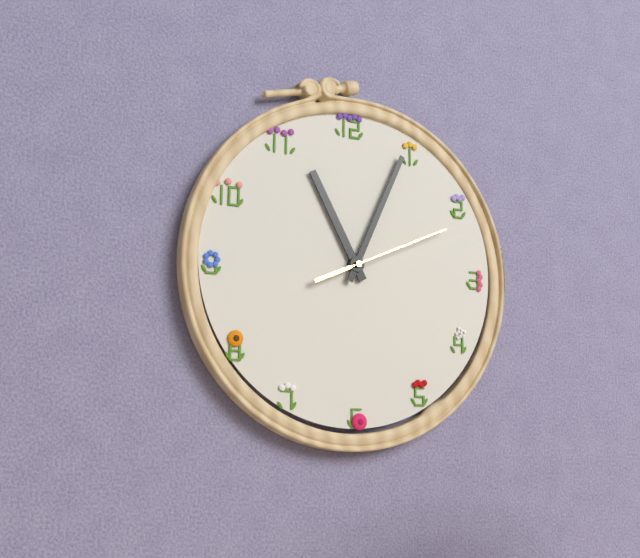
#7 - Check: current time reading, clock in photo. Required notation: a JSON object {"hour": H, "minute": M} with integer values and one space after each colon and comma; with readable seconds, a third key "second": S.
{"hour": 11, "minute": 4, "second": 11}
